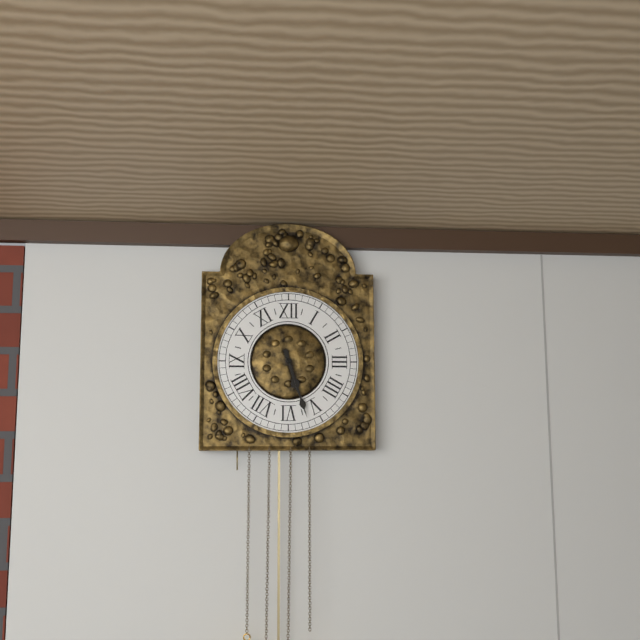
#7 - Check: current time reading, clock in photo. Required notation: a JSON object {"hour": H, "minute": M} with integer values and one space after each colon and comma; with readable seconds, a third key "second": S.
{"hour": 5, "minute": 27}
